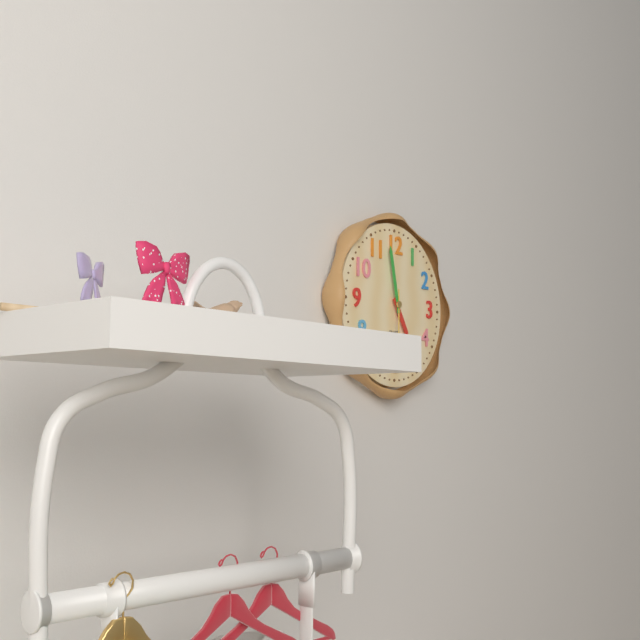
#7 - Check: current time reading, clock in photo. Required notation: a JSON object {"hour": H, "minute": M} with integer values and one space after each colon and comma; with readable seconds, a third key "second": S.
{"hour": 4, "minute": 58}
